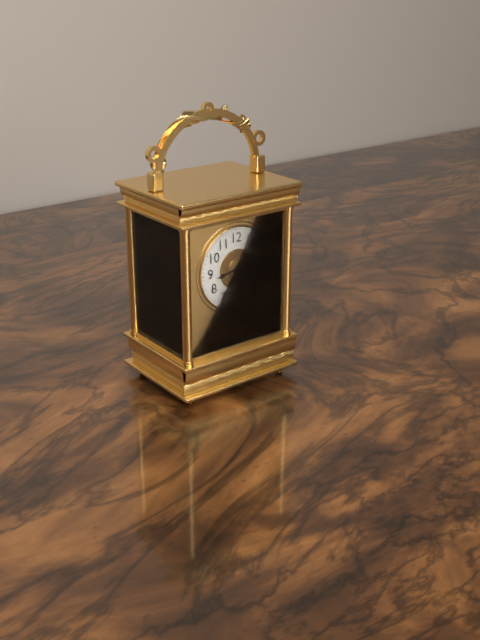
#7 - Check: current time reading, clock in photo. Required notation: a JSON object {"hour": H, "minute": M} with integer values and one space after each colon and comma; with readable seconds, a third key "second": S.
{"hour": 8, "minute": 35}
